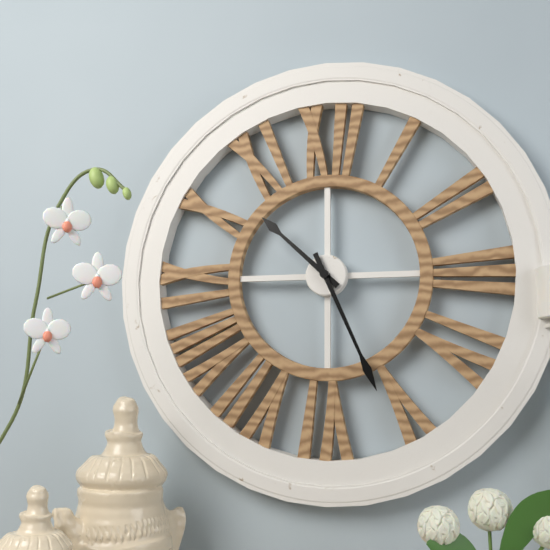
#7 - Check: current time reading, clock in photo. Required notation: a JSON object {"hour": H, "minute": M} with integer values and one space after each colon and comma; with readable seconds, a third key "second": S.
{"hour": 10, "minute": 26}
